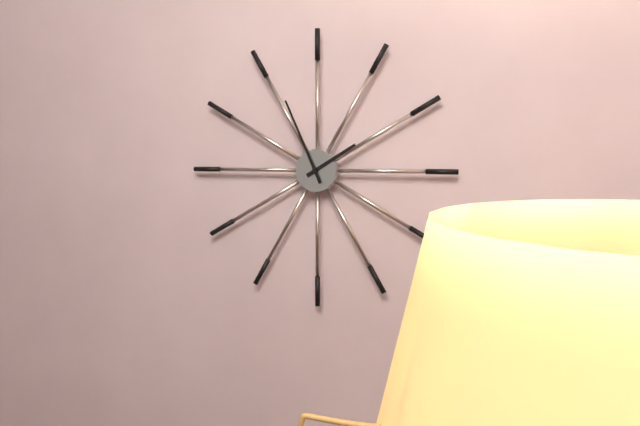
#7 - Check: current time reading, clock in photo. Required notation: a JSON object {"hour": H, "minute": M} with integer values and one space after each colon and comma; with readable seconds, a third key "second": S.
{"hour": 1, "minute": 56}
